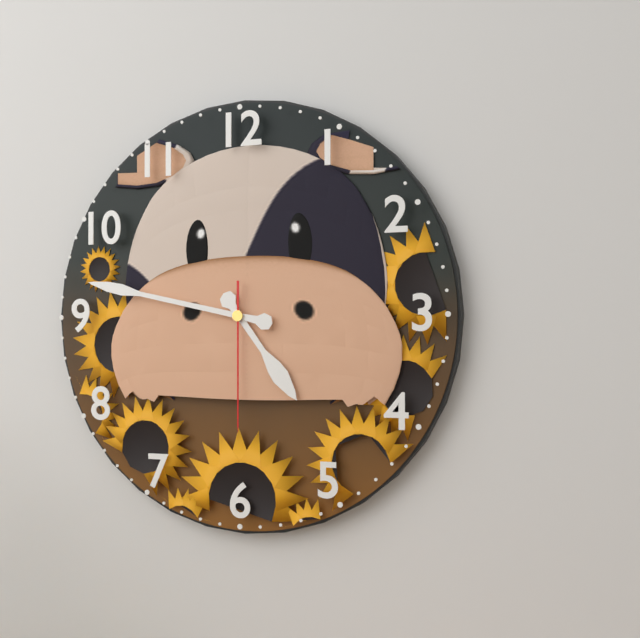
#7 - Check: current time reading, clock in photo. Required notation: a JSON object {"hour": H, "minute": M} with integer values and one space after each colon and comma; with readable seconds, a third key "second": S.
{"hour": 4, "minute": 47, "second": 30}
